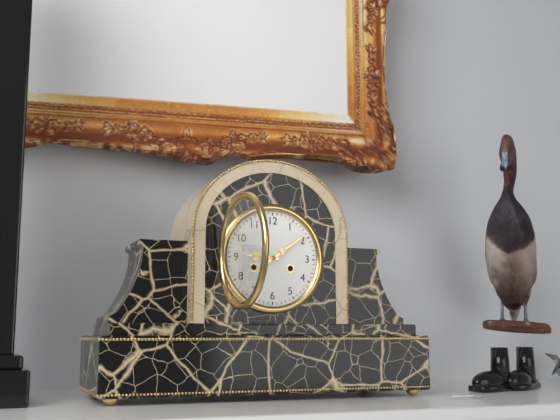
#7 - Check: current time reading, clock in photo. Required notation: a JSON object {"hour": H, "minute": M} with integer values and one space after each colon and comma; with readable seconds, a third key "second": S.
{"hour": 9, "minute": 9}
